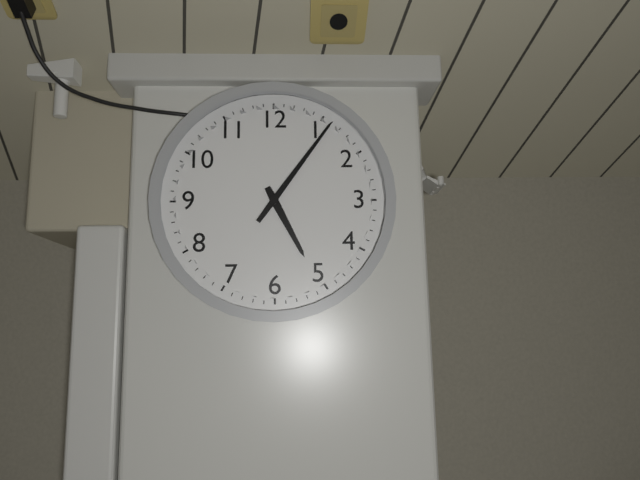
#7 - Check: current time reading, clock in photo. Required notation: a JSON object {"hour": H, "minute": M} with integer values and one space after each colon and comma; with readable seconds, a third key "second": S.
{"hour": 5, "minute": 6}
